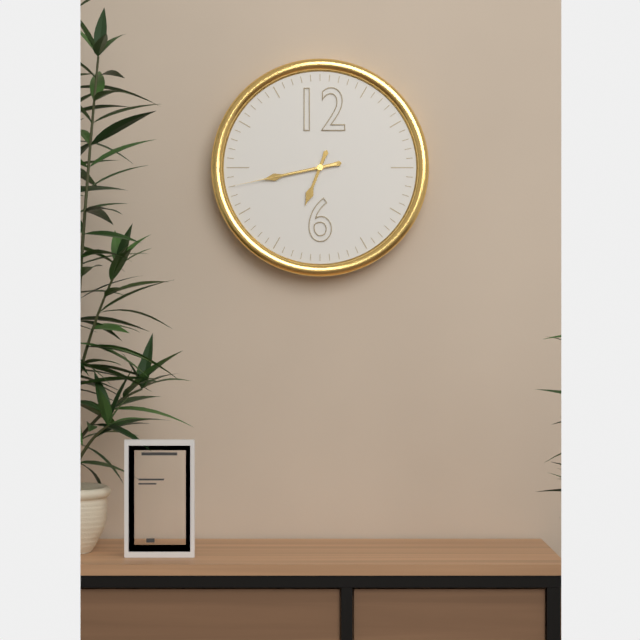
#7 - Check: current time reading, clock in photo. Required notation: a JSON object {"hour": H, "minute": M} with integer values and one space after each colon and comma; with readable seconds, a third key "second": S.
{"hour": 6, "minute": 43, "second": 43}
